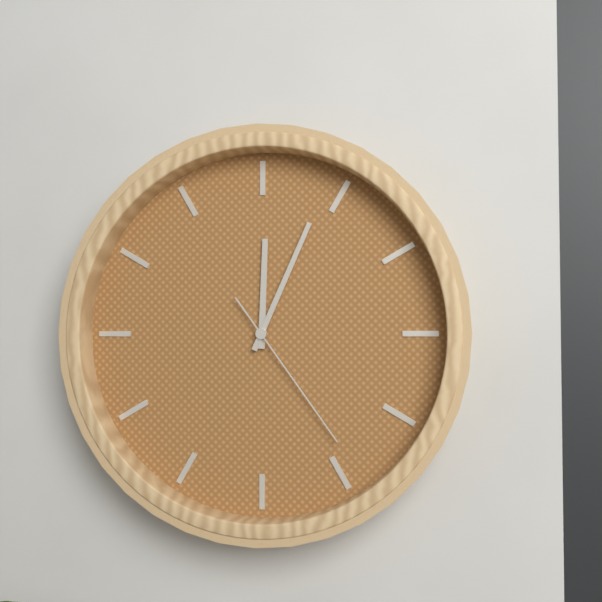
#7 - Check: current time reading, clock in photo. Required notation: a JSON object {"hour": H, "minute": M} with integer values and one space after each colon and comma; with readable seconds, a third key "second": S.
{"hour": 12, "minute": 4, "second": 24}
